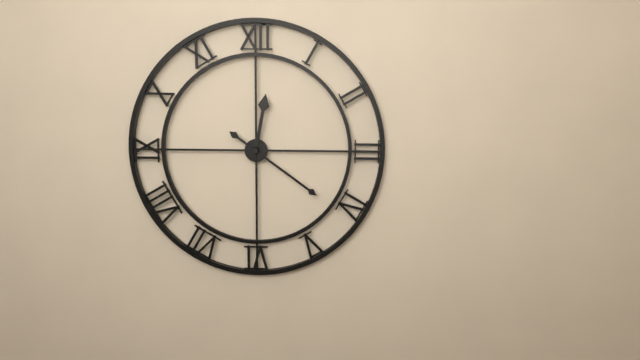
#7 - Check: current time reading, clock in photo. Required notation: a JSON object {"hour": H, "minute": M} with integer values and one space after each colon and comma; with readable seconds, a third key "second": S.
{"hour": 12, "minute": 21}
